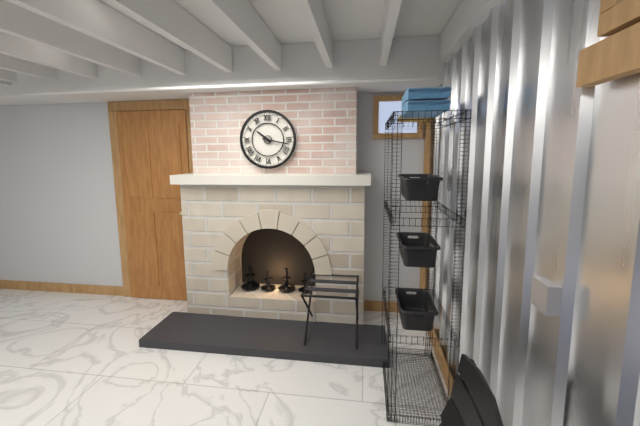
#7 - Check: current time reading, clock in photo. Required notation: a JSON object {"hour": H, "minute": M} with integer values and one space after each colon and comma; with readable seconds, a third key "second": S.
{"hour": 10, "minute": 17}
